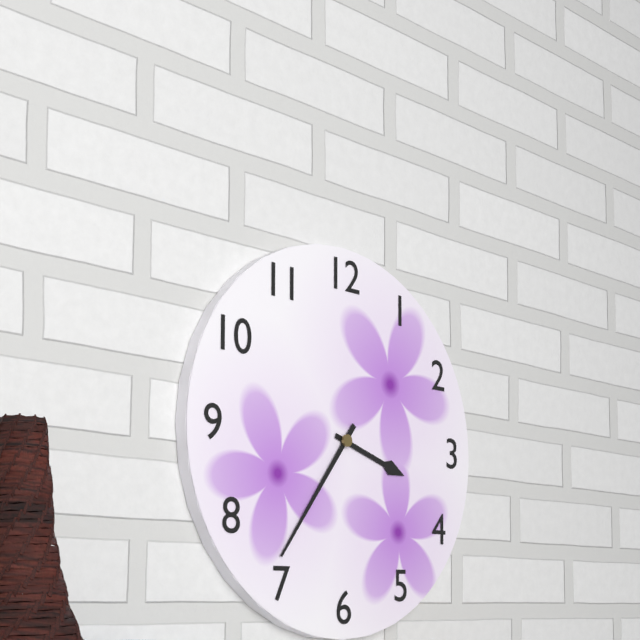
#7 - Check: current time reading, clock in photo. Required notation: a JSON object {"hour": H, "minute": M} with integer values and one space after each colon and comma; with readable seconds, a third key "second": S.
{"hour": 3, "minute": 36}
